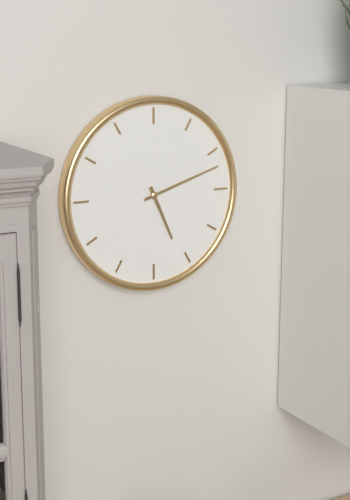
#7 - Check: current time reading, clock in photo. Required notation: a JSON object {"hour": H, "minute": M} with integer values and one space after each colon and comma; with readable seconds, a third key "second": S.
{"hour": 5, "minute": 12}
